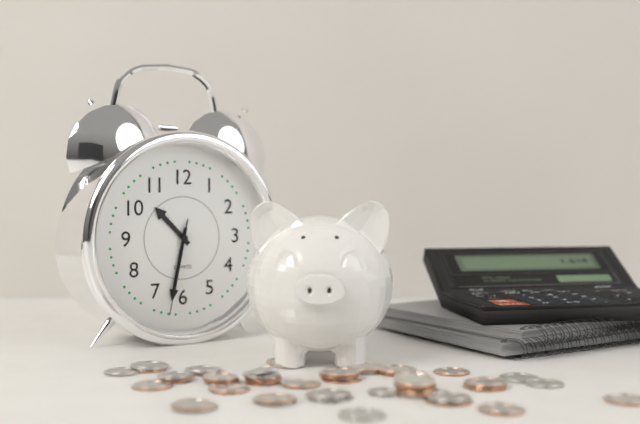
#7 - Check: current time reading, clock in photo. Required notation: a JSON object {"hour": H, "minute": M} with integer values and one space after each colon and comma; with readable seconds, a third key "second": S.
{"hour": 10, "minute": 32, "second": 32}
